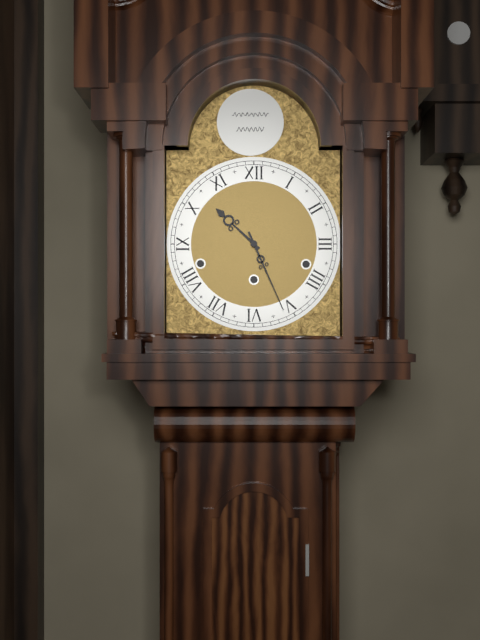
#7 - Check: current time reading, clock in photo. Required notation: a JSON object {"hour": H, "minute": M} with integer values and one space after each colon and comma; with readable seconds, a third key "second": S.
{"hour": 10, "minute": 26}
